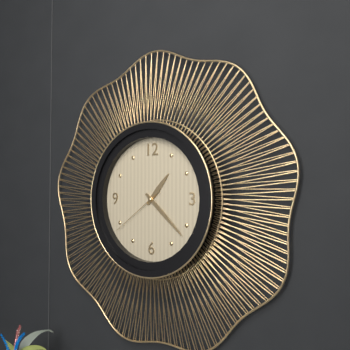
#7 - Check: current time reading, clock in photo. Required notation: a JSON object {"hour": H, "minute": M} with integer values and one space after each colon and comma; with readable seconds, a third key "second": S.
{"hour": 1, "minute": 22, "second": 39}
